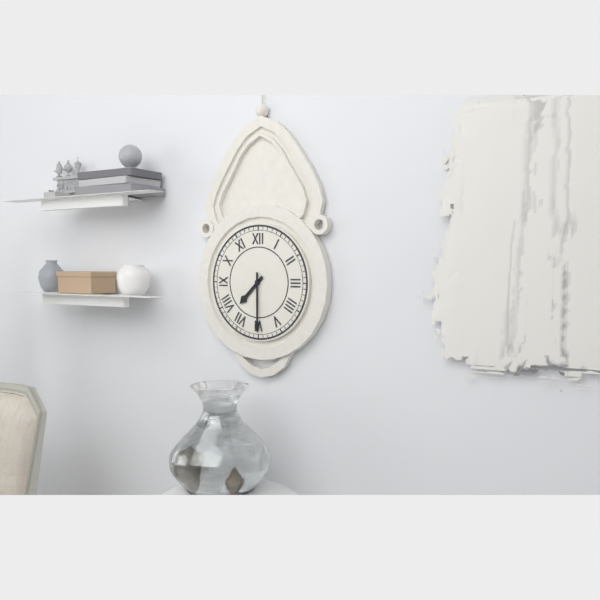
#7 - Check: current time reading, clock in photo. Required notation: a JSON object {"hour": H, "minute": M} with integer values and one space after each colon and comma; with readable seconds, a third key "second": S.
{"hour": 7, "minute": 30}
